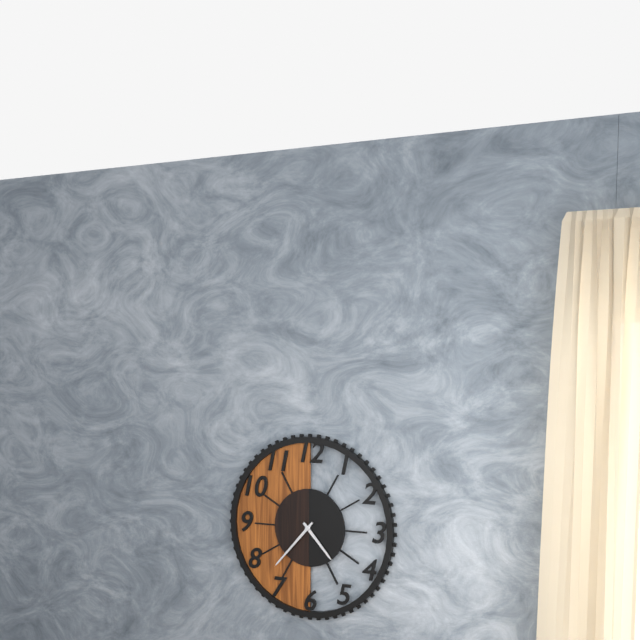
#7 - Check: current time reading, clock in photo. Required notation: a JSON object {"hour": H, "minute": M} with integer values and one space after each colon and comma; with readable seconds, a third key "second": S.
{"hour": 4, "minute": 37}
